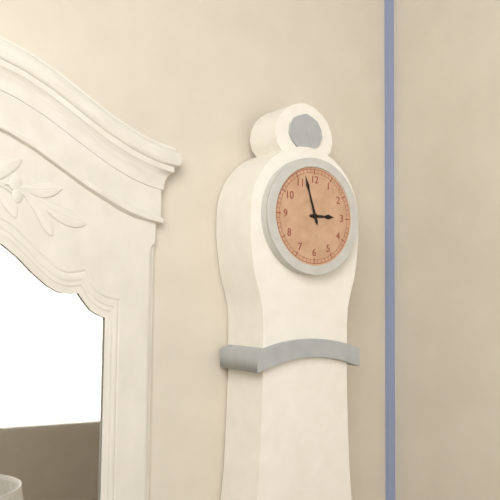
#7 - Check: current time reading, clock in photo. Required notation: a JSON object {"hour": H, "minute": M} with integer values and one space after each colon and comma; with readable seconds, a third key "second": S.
{"hour": 2, "minute": 57}
